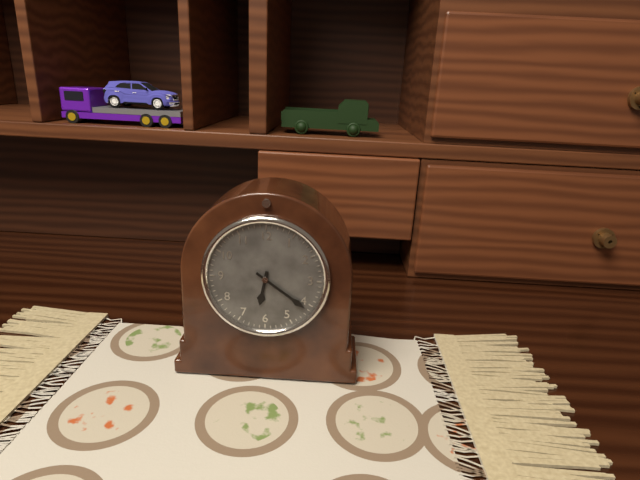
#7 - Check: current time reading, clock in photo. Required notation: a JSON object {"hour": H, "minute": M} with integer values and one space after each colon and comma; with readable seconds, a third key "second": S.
{"hour": 6, "minute": 21}
